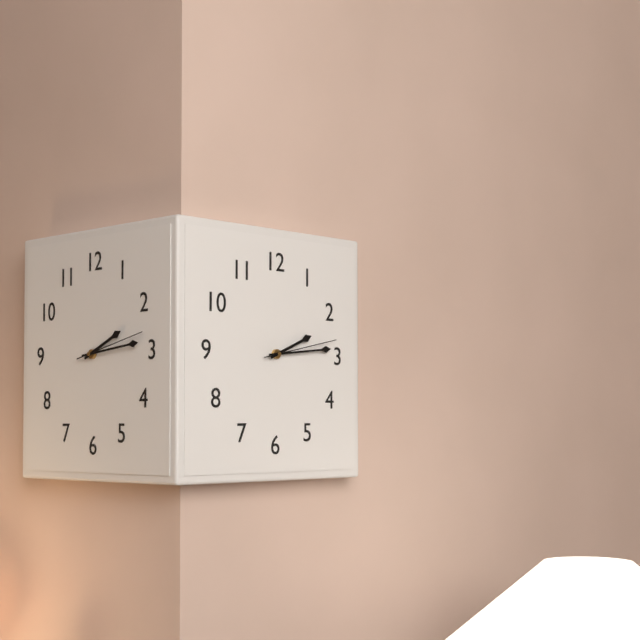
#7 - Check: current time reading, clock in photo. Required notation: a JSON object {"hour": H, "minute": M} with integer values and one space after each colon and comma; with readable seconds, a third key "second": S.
{"hour": 2, "minute": 14, "second": 13}
